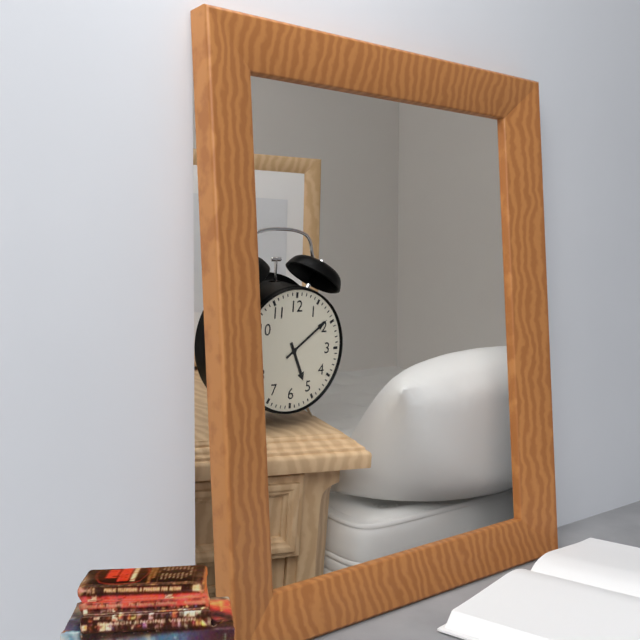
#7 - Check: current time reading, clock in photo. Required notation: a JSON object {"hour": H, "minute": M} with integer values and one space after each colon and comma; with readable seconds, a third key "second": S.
{"hour": 5, "minute": 9}
